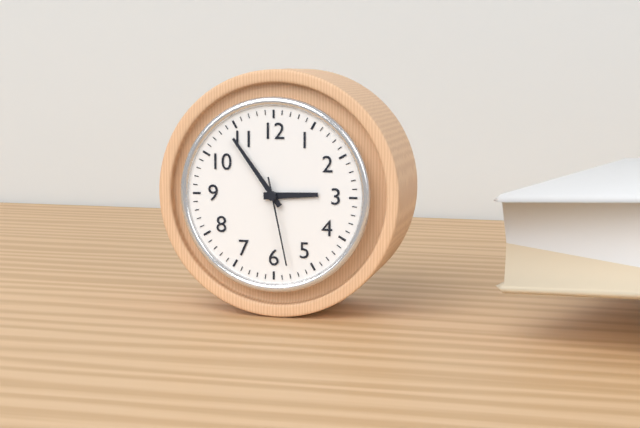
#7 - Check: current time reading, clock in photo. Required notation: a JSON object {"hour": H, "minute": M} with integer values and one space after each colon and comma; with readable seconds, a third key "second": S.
{"hour": 2, "minute": 54, "second": 28}
